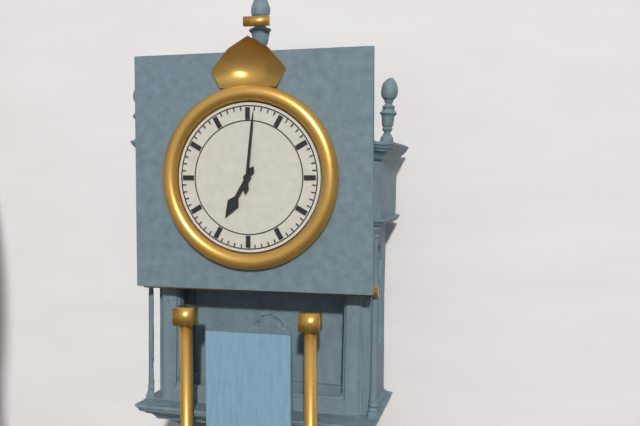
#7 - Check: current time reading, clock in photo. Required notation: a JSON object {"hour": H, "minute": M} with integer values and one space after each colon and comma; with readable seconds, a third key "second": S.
{"hour": 7, "minute": 1}
